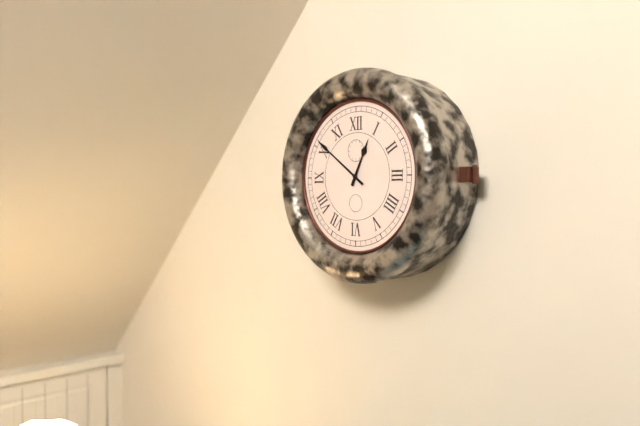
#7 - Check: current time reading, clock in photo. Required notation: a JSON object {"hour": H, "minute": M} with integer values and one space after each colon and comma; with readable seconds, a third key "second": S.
{"hour": 12, "minute": 51}
